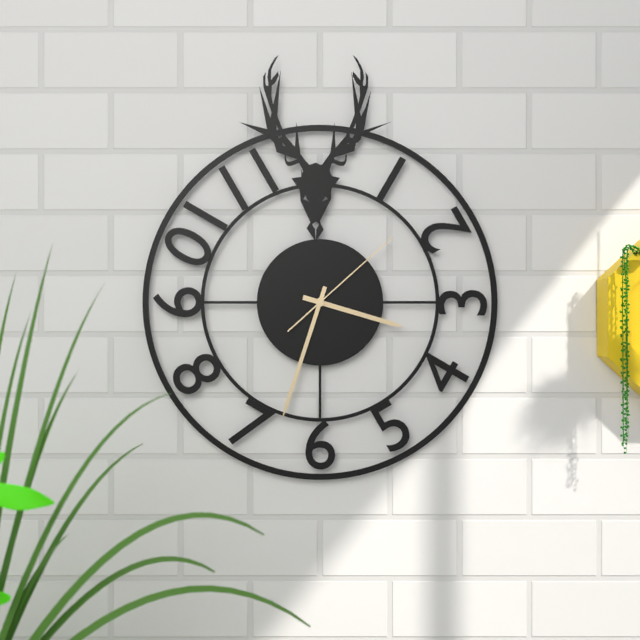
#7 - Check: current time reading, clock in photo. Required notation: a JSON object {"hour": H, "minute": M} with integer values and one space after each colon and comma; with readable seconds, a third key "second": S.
{"hour": 3, "minute": 33, "second": 8}
